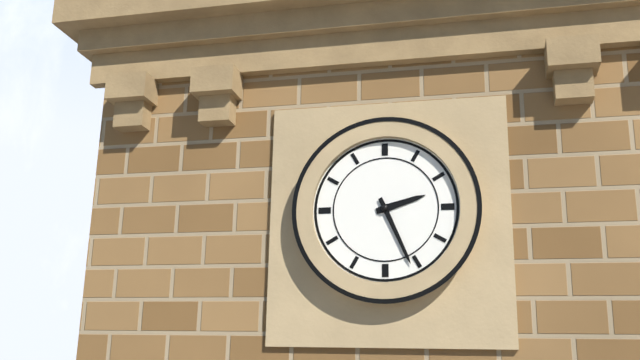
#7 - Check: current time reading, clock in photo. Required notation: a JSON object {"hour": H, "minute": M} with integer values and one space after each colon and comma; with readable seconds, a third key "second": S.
{"hour": 2, "minute": 26}
